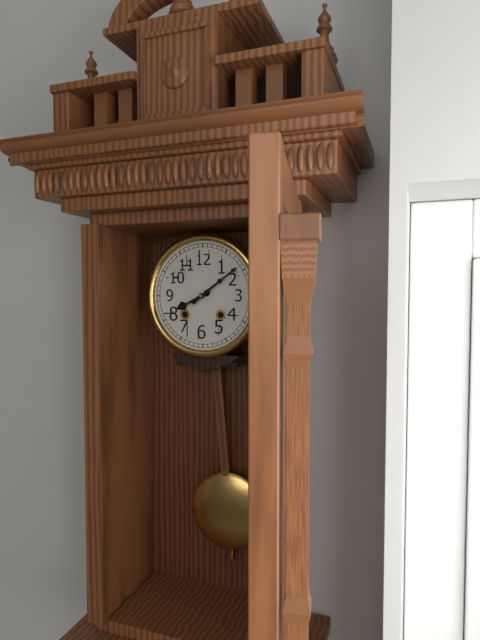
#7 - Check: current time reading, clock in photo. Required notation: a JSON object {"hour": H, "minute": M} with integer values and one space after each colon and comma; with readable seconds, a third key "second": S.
{"hour": 8, "minute": 9}
